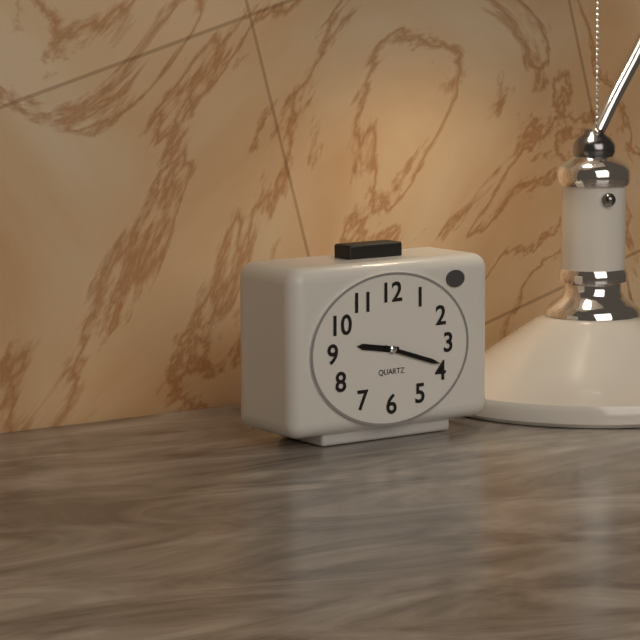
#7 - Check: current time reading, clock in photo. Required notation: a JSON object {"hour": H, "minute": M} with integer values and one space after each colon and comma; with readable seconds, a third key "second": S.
{"hour": 9, "minute": 18}
